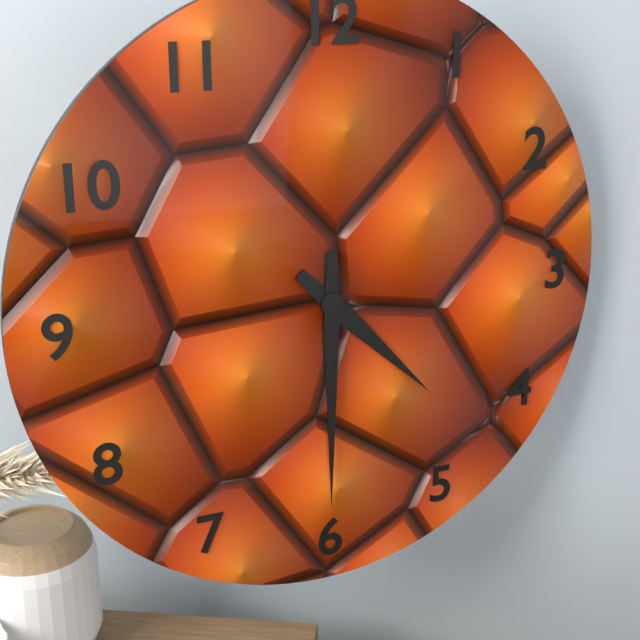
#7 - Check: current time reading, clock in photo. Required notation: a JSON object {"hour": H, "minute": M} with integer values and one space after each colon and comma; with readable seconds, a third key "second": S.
{"hour": 4, "minute": 30}
